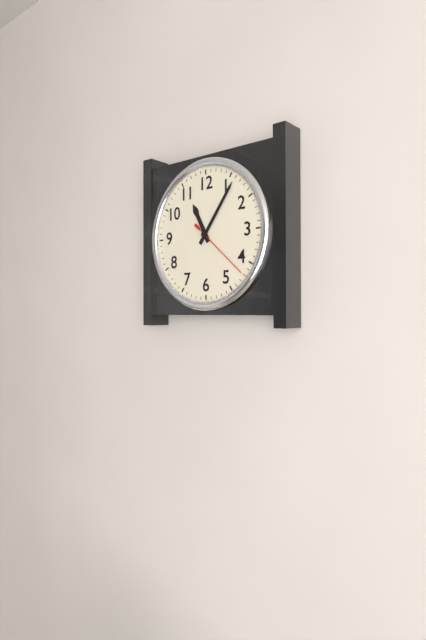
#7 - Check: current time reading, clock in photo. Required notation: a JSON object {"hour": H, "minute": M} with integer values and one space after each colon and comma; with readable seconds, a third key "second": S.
{"hour": 11, "minute": 6, "second": 22}
